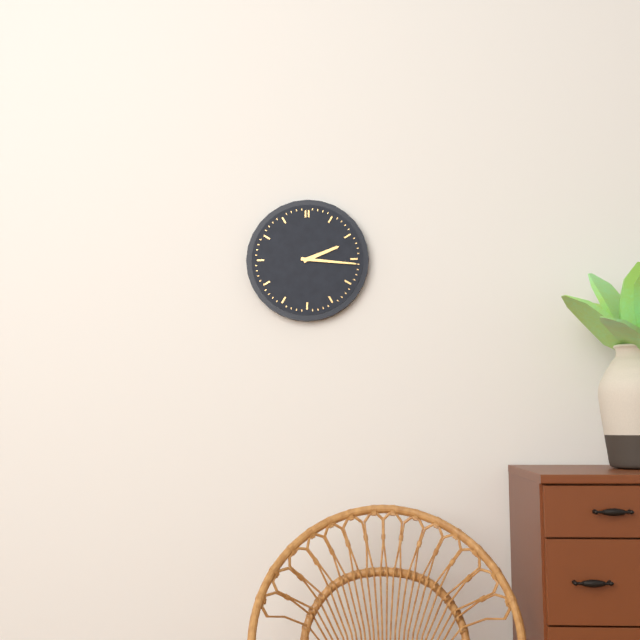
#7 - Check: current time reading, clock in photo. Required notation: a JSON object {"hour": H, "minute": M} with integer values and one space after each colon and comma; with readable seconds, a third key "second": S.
{"hour": 2, "minute": 16}
